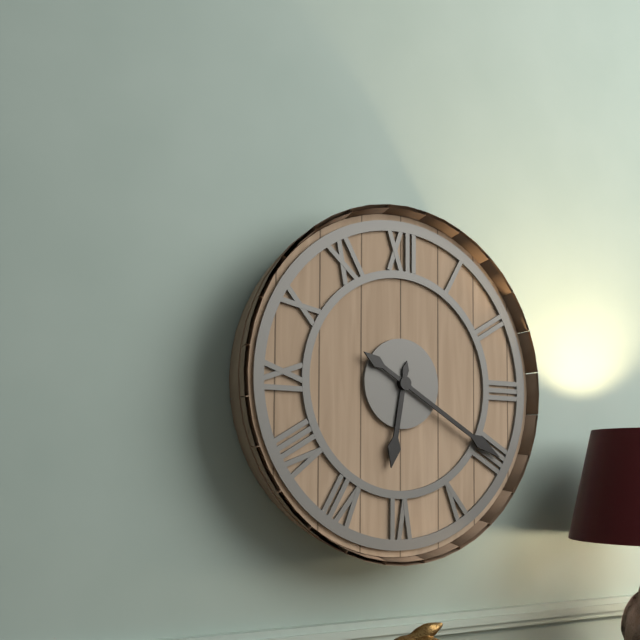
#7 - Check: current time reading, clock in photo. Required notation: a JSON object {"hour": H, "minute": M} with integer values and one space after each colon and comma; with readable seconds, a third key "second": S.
{"hour": 6, "minute": 20}
